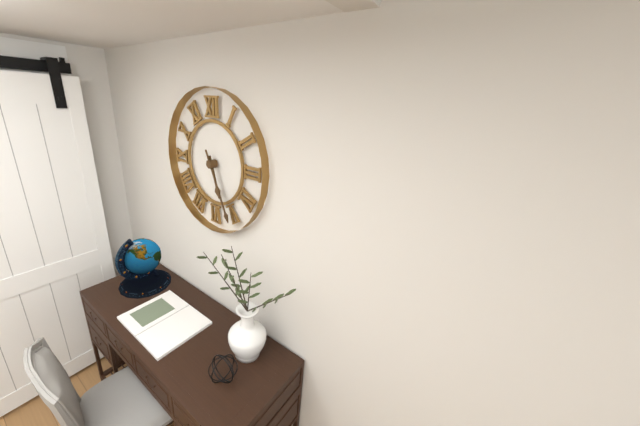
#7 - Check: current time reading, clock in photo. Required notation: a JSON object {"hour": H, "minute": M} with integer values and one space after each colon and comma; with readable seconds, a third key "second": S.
{"hour": 5, "minute": 26}
